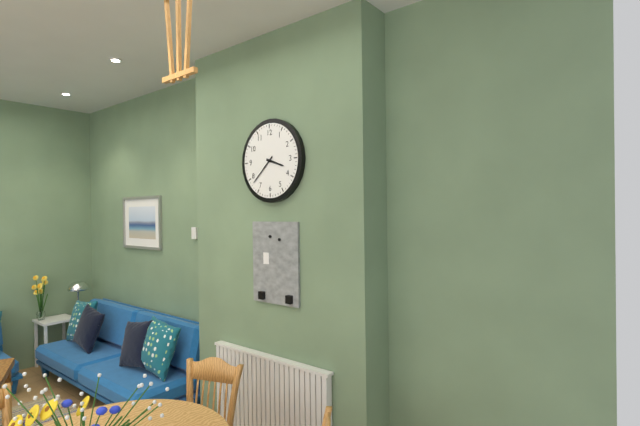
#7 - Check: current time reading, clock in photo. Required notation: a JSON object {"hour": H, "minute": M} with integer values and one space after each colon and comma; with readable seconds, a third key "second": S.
{"hour": 3, "minute": 38}
